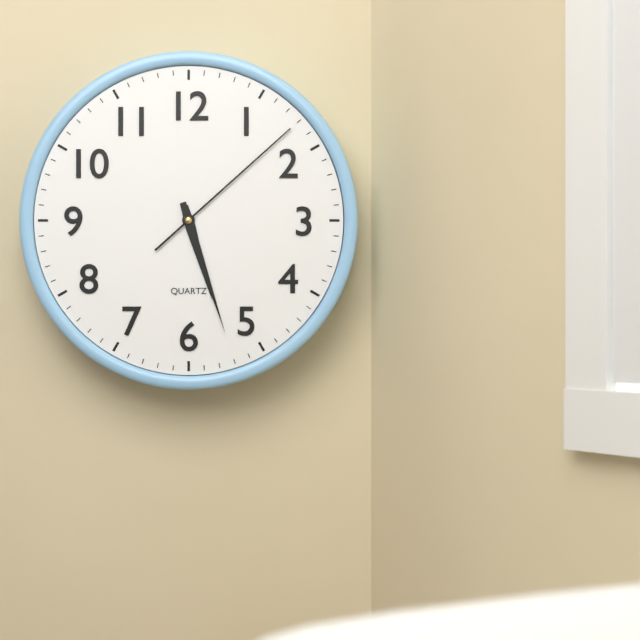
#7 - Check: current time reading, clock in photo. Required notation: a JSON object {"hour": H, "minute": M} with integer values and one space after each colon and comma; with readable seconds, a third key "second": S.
{"hour": 5, "minute": 27, "second": 8}
